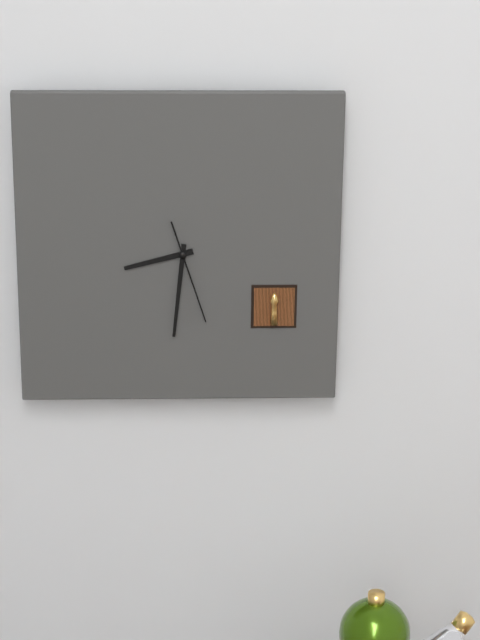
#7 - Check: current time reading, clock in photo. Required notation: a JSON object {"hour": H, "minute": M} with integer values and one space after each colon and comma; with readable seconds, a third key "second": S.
{"hour": 8, "minute": 31, "second": 27}
